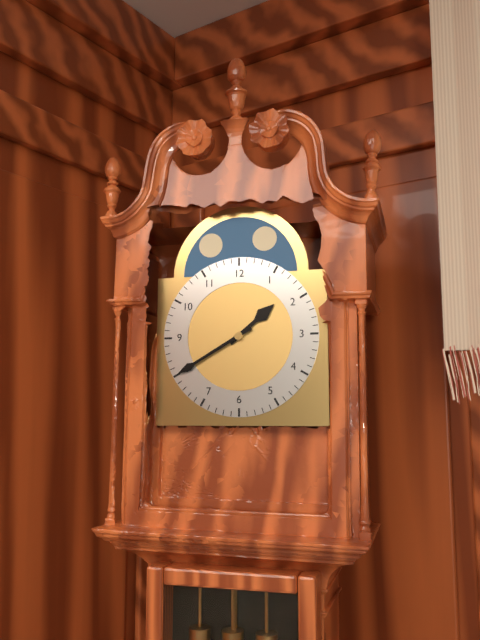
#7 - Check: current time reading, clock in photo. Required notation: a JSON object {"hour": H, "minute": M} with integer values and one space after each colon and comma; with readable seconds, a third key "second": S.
{"hour": 1, "minute": 40}
